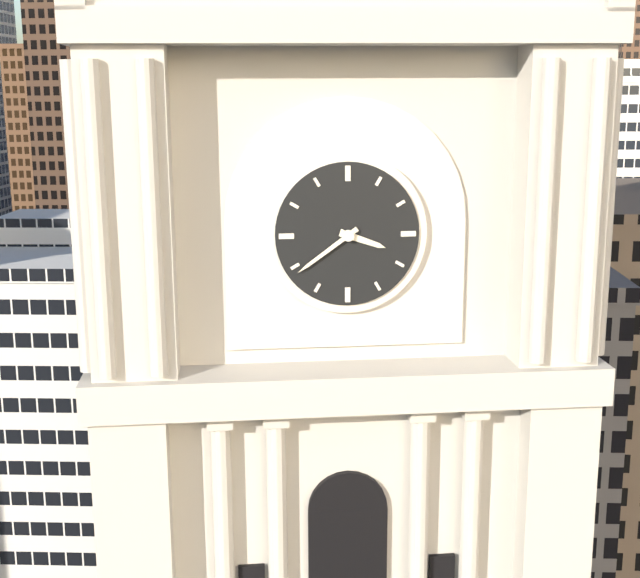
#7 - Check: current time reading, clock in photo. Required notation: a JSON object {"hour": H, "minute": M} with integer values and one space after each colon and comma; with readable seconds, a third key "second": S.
{"hour": 3, "minute": 39}
